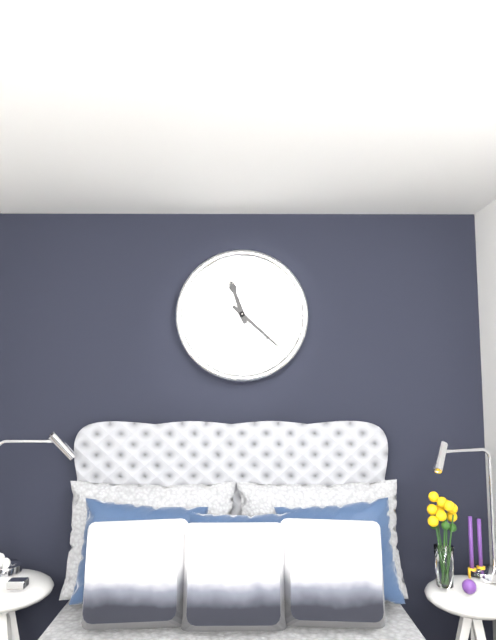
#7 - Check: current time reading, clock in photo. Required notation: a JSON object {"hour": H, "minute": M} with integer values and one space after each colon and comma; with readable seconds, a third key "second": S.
{"hour": 11, "minute": 22}
